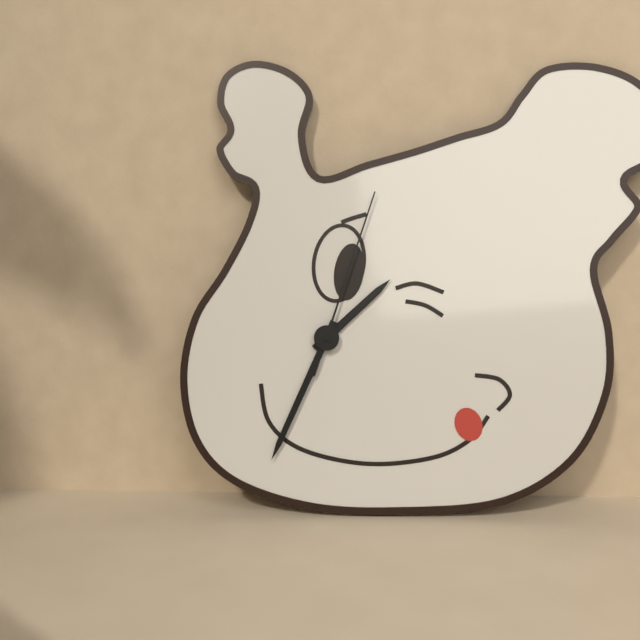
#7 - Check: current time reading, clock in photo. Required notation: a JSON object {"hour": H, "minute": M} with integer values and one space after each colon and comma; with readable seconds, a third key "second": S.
{"hour": 1, "minute": 34, "second": 3}
